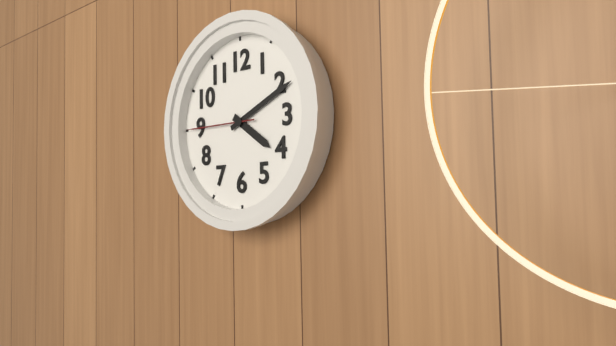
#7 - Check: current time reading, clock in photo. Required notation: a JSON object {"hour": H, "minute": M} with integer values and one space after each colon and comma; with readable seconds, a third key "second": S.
{"hour": 4, "minute": 11, "second": 45}
